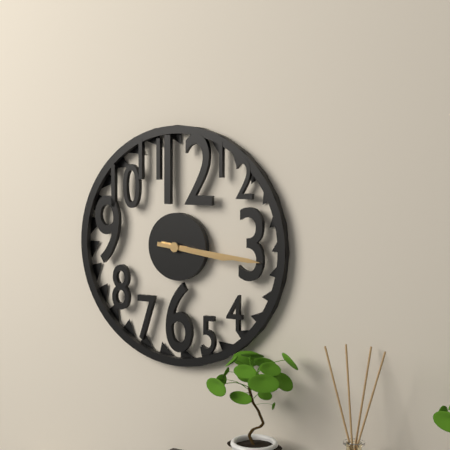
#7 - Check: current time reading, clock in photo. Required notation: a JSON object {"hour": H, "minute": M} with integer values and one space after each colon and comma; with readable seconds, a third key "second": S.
{"hour": 3, "minute": 16}
